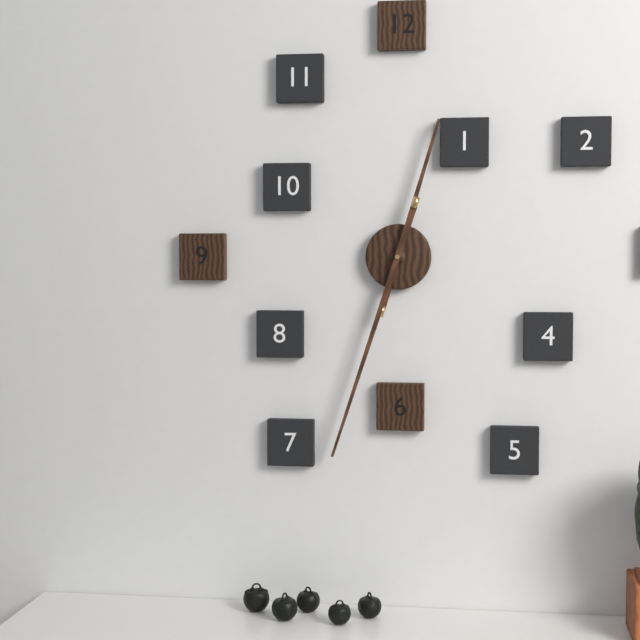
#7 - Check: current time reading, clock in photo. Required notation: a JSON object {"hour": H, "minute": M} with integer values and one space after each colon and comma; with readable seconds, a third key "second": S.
{"hour": 12, "minute": 33}
